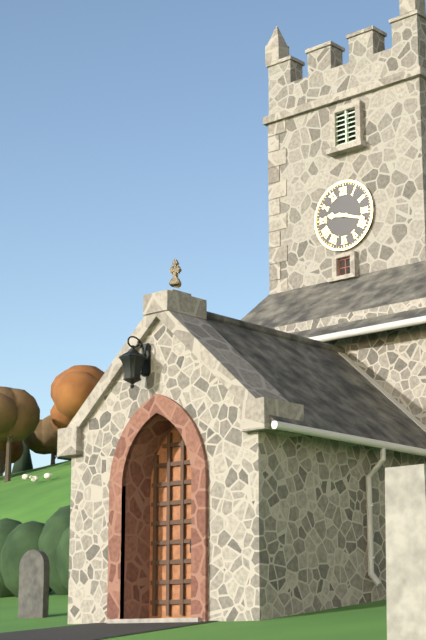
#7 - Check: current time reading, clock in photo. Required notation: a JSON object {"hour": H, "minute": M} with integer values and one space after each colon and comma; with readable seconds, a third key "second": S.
{"hour": 9, "minute": 18}
